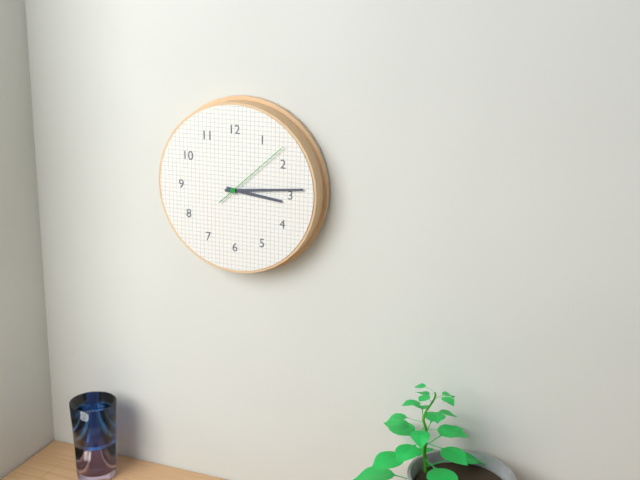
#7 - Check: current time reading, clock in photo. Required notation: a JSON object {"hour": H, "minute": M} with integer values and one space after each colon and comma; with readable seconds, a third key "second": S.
{"hour": 3, "minute": 14, "second": 8}
